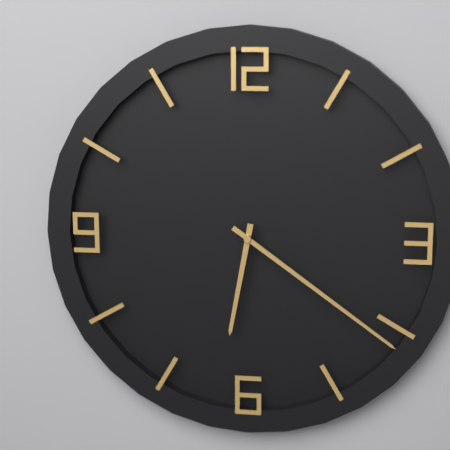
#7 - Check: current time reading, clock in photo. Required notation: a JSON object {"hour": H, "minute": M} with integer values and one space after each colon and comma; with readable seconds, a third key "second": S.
{"hour": 6, "minute": 21}
